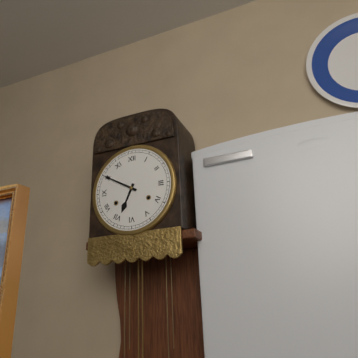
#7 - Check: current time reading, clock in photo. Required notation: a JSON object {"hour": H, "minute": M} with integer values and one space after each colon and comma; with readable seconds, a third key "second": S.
{"hour": 6, "minute": 50}
